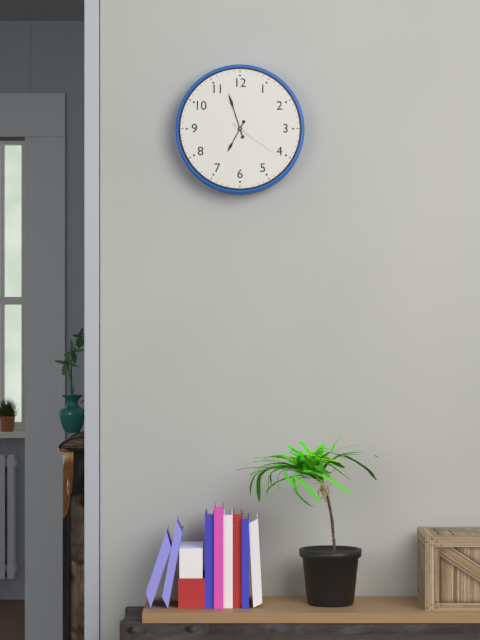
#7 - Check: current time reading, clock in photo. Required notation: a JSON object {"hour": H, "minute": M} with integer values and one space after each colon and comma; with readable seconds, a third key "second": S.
{"hour": 6, "minute": 57, "second": 21}
